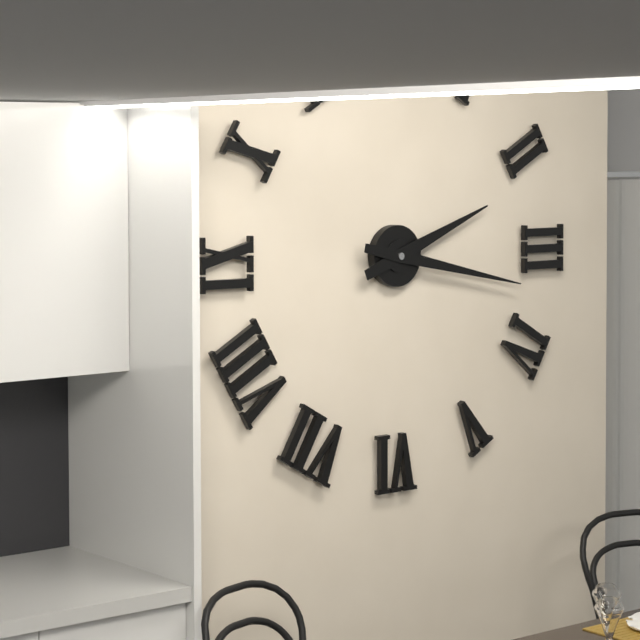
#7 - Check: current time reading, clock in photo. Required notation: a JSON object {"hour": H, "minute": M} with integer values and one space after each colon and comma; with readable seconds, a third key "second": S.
{"hour": 2, "minute": 17}
